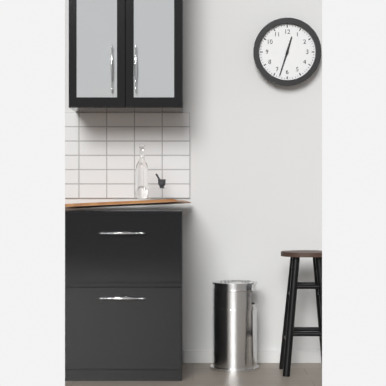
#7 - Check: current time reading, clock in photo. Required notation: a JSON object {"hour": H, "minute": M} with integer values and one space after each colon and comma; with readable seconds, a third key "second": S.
{"hour": 12, "minute": 33}
